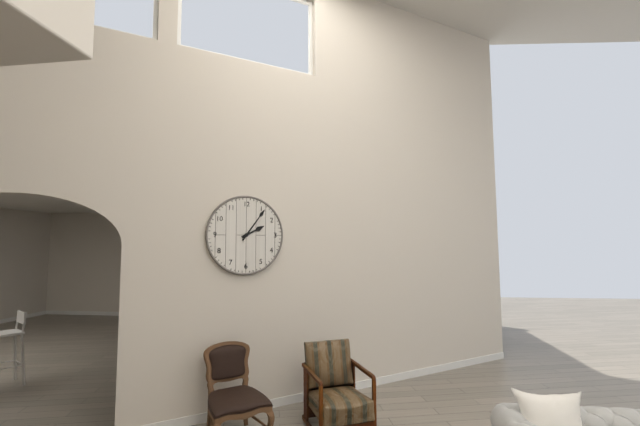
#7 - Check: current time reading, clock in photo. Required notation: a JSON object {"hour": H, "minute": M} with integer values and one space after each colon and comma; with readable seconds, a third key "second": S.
{"hour": 2, "minute": 6}
